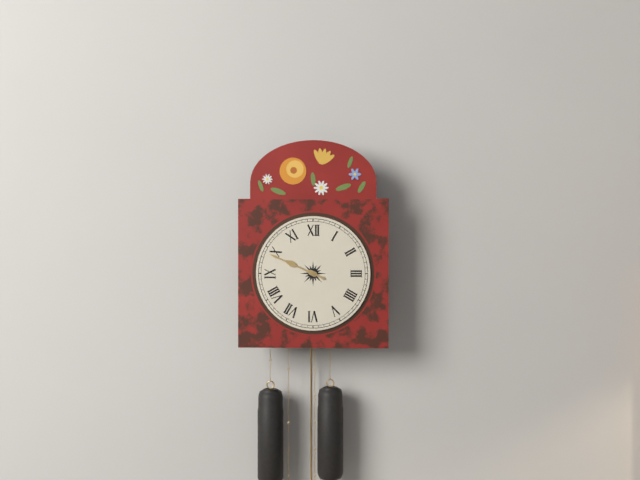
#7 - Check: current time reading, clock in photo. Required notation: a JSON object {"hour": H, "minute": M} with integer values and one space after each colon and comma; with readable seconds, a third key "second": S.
{"hour": 9, "minute": 49}
